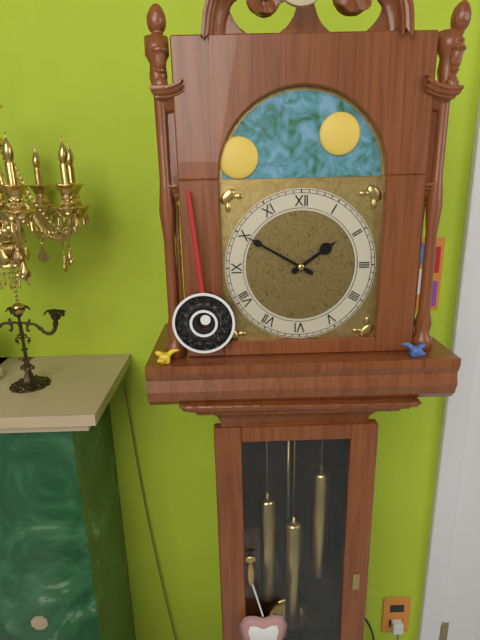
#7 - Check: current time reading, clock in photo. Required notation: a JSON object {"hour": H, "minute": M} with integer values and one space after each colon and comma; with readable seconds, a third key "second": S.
{"hour": 1, "minute": 50}
